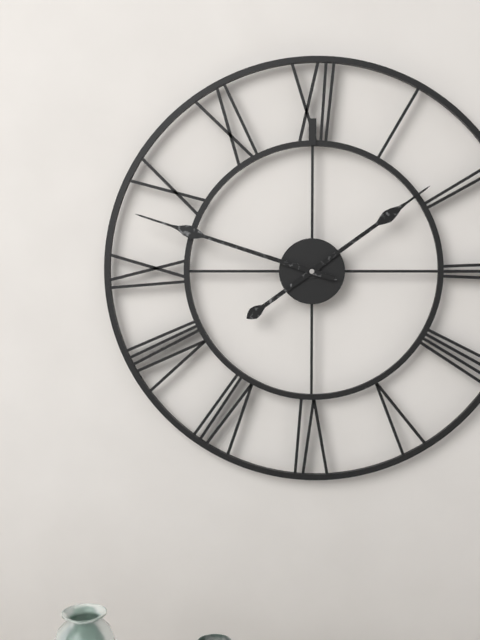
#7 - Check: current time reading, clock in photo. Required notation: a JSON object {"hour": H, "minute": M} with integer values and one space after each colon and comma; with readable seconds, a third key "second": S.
{"hour": 1, "minute": 48}
